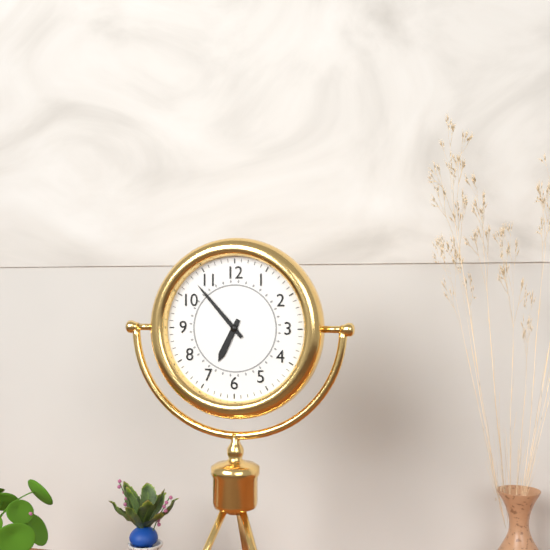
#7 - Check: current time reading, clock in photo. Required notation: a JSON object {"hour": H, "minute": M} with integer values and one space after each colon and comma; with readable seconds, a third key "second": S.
{"hour": 6, "minute": 53}
